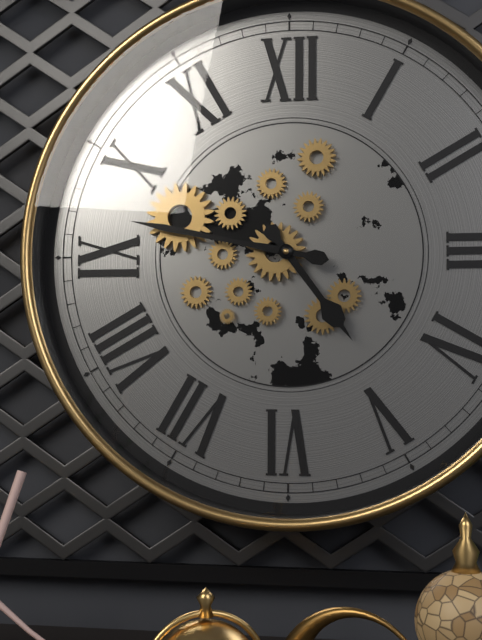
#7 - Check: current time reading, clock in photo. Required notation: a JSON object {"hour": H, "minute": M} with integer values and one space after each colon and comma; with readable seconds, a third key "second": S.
{"hour": 4, "minute": 47}
